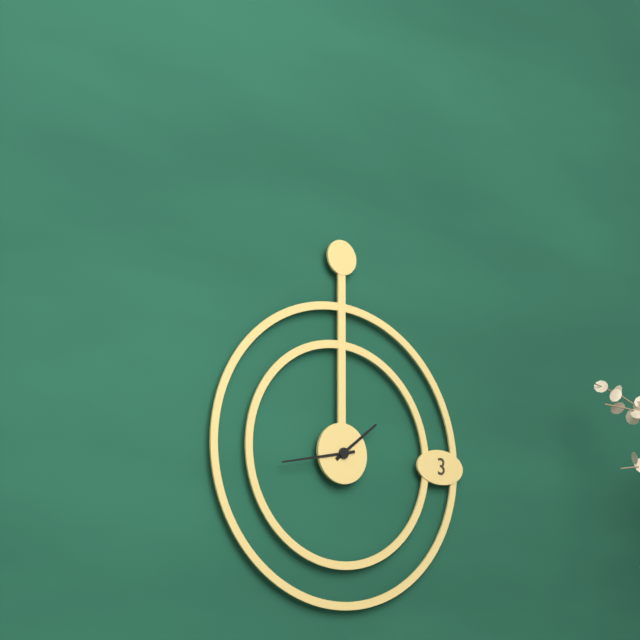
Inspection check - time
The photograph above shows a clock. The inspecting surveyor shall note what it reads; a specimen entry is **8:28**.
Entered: **1:43**
